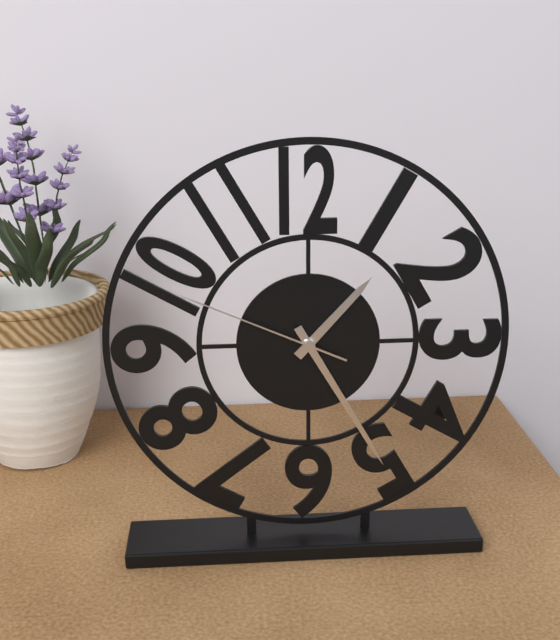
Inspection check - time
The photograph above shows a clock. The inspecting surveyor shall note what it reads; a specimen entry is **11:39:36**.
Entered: **1:25:49**
